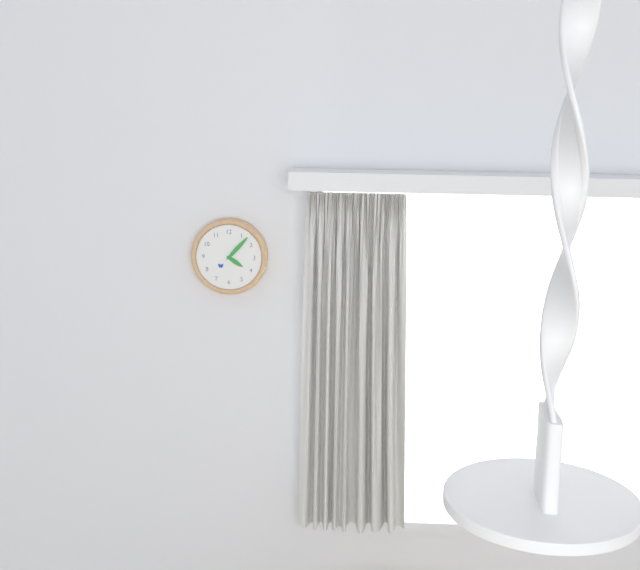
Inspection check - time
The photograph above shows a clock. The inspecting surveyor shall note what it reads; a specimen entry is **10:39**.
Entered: **4:07**
